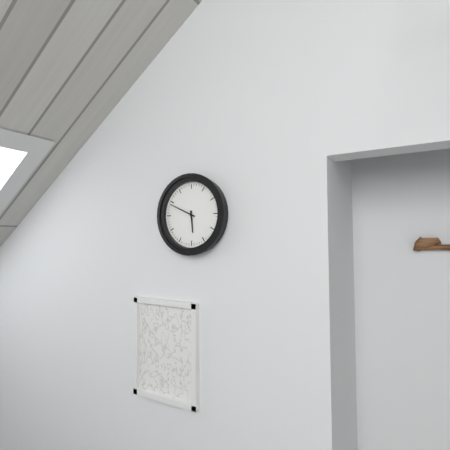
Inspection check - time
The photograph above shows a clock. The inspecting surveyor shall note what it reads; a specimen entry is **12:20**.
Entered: **5:49**
